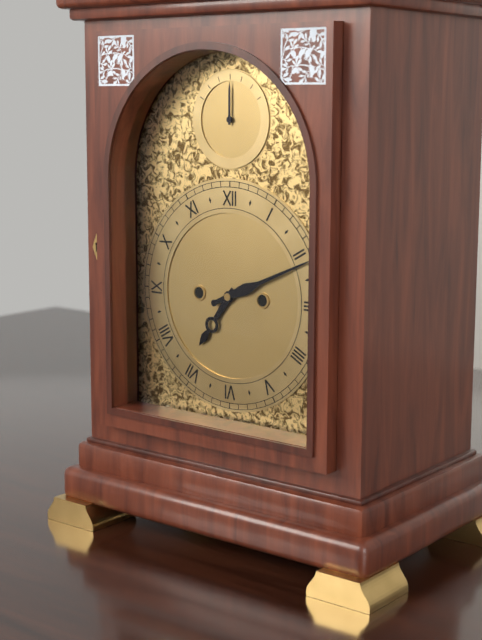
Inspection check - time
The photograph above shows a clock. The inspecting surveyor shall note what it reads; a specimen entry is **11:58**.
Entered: **7:11**
